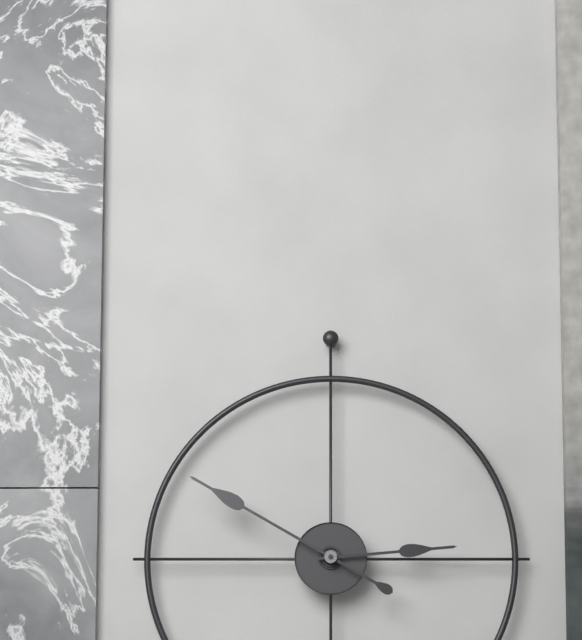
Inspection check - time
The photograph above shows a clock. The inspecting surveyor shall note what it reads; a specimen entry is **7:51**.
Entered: **2:50**
